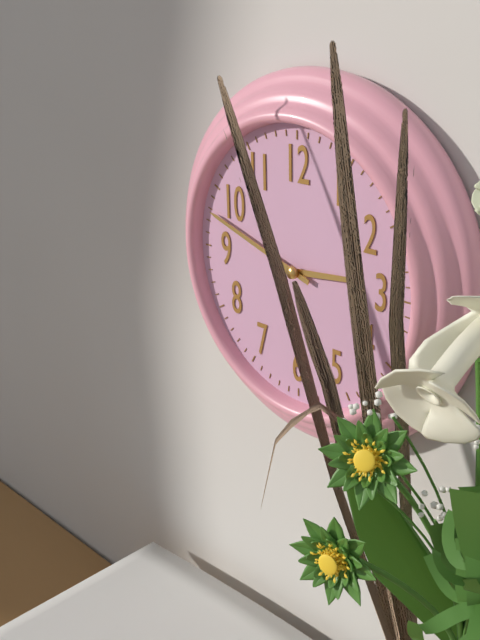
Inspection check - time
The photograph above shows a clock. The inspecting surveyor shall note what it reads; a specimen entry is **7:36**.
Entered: **2:48**
